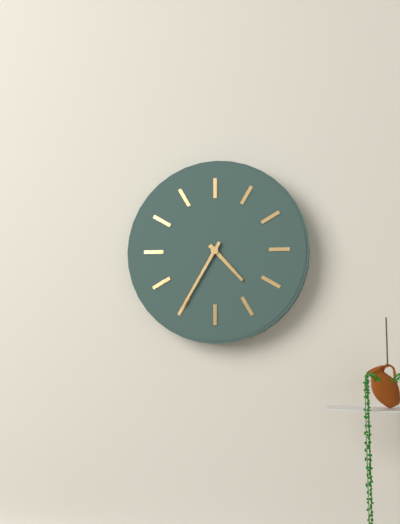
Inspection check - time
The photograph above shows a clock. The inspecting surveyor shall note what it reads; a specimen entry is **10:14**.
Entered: **4:35**
